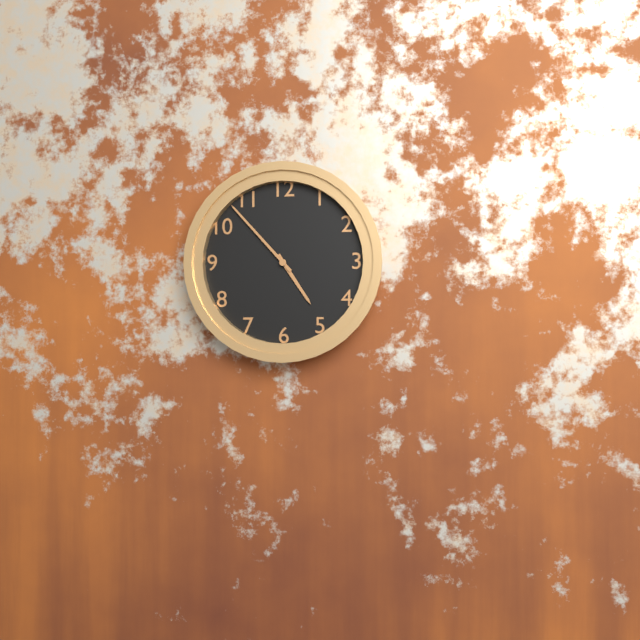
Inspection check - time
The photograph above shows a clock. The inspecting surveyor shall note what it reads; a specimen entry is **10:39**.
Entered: **4:53**
